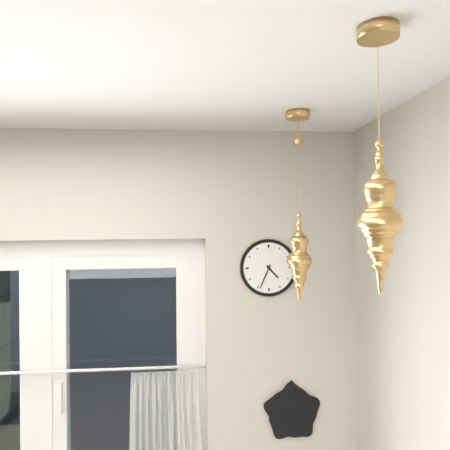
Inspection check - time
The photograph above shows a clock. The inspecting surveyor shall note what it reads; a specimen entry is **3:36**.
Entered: **4:34**
